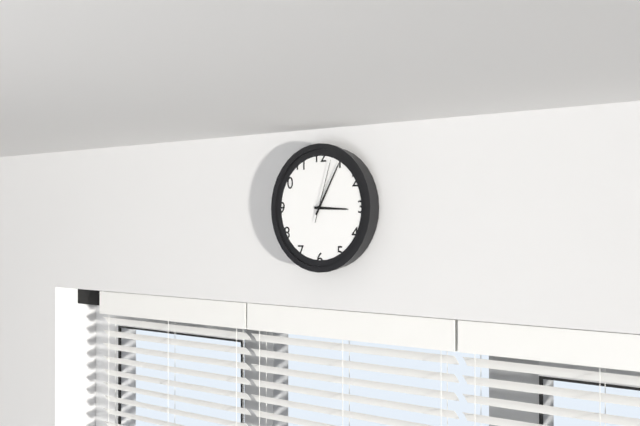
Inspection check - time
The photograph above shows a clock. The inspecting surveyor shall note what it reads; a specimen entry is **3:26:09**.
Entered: **3:05:03**
